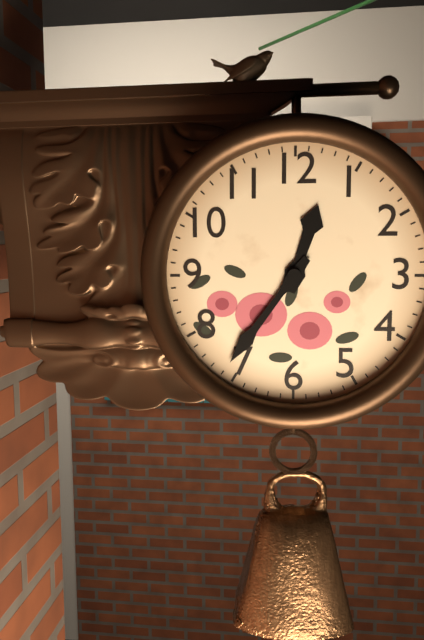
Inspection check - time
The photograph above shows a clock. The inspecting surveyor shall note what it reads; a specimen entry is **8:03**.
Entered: **12:36**
